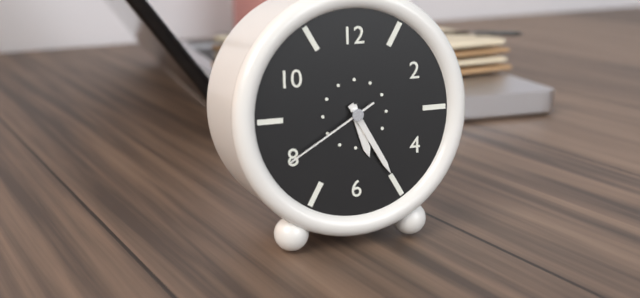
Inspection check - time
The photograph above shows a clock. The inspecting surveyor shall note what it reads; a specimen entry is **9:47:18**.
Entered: **5:25:40**
